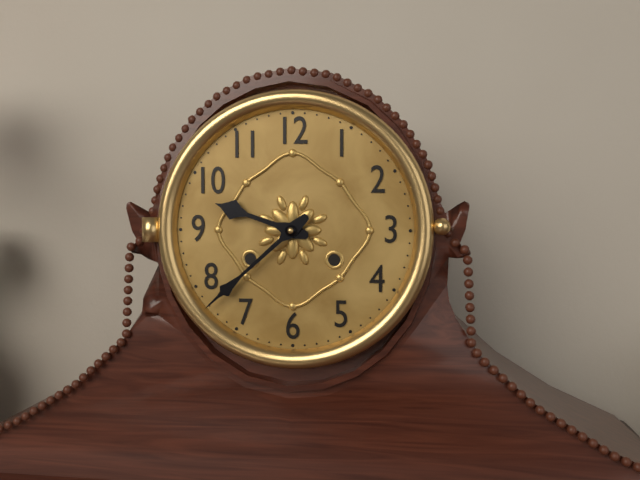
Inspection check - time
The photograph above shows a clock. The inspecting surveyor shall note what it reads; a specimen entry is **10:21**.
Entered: **9:38**
